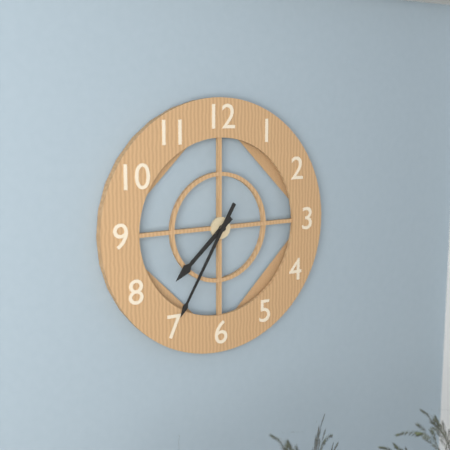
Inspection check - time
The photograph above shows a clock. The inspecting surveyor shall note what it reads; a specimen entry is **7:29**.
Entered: **7:35**
